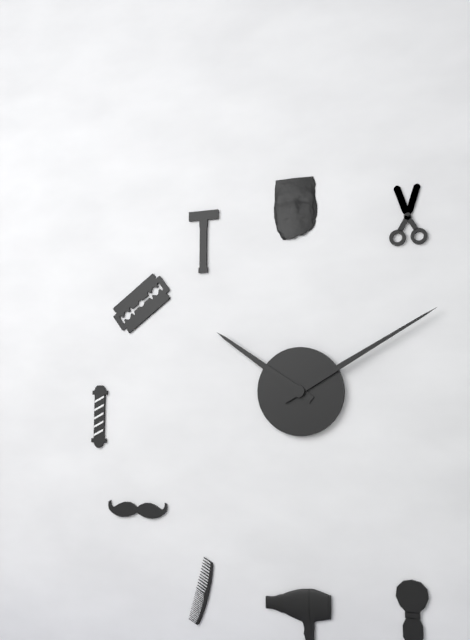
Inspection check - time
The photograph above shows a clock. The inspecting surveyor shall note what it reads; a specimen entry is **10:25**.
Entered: **10:10**
